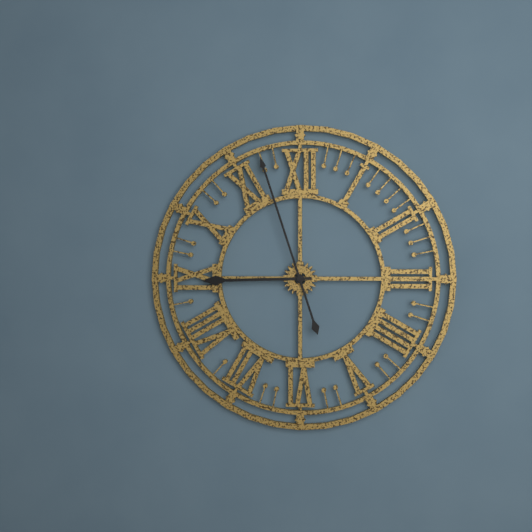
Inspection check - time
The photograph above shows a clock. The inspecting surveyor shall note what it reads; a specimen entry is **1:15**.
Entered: **8:57**
